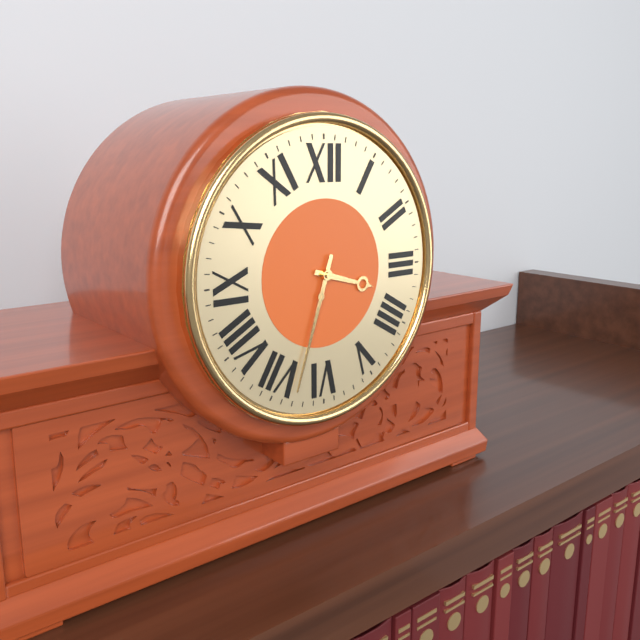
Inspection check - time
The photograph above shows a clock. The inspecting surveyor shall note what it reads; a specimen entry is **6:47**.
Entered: **3:33**
